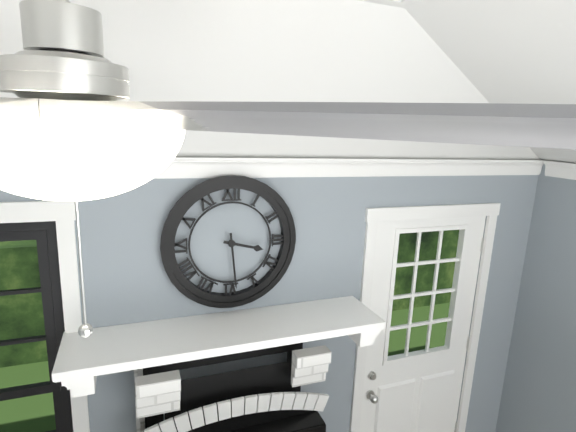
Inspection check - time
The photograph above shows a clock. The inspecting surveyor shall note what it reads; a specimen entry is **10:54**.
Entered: **3:29**
